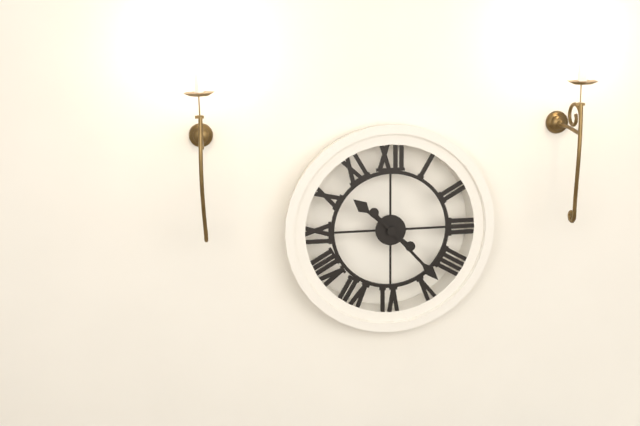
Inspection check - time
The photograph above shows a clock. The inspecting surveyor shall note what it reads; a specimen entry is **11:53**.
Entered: **10:23**
